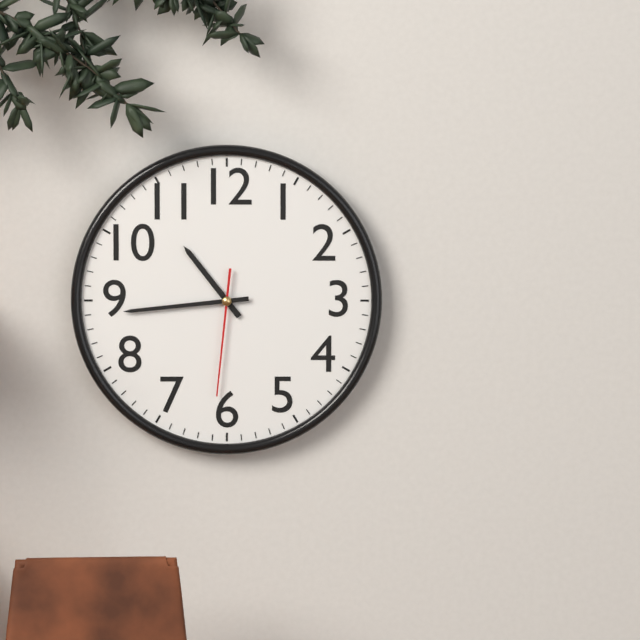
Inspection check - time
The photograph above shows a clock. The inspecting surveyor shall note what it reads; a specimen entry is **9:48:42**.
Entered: **10:44:31**
